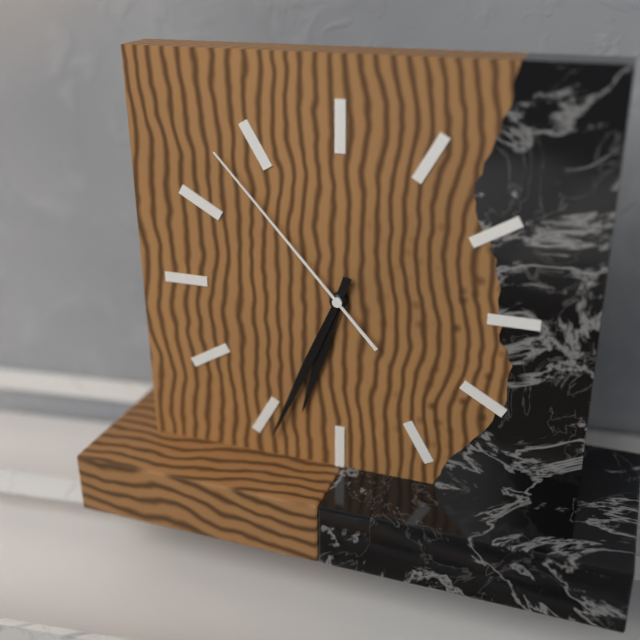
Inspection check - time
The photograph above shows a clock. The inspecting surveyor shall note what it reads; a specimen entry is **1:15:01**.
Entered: **6:34:53**
